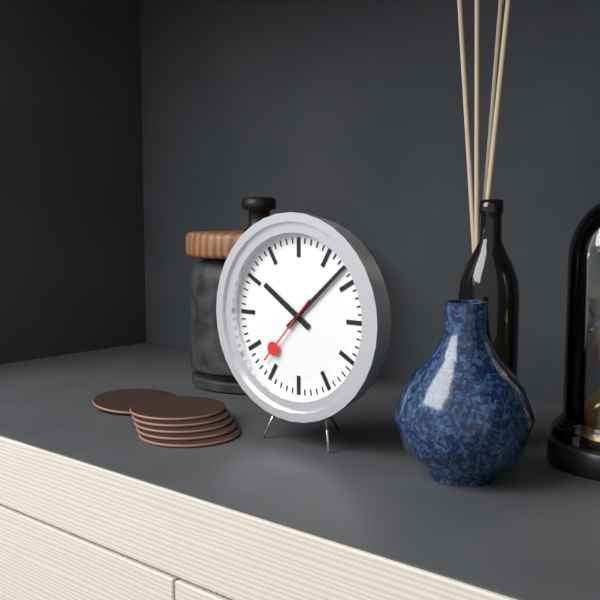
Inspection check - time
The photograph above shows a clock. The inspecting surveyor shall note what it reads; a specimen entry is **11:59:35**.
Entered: **10:08:37**
